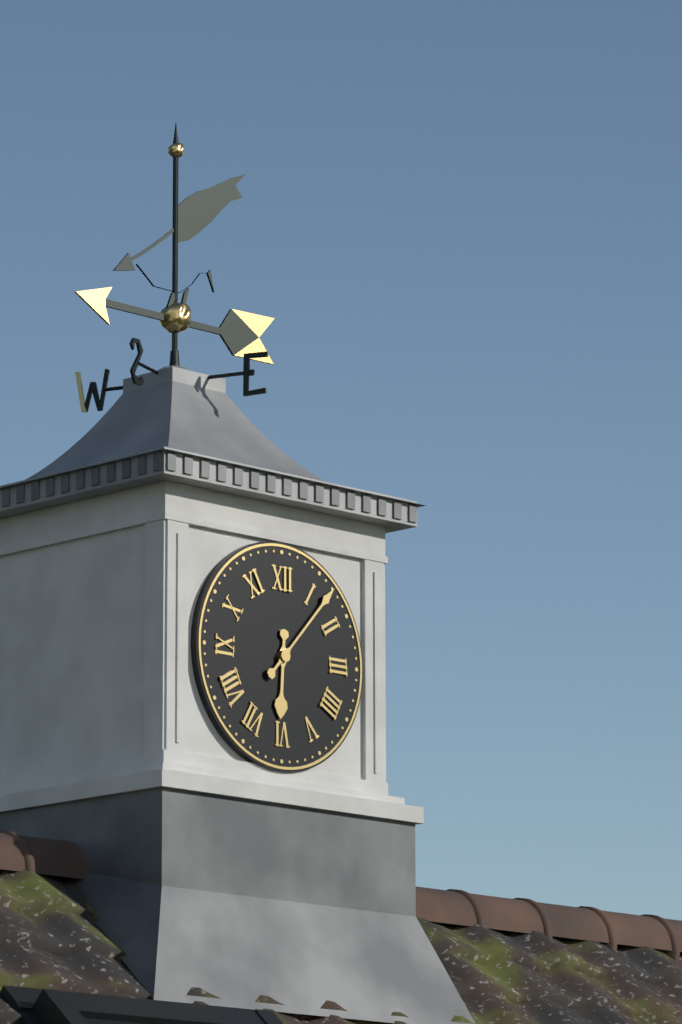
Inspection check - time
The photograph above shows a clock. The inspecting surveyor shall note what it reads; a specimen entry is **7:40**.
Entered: **6:07**
